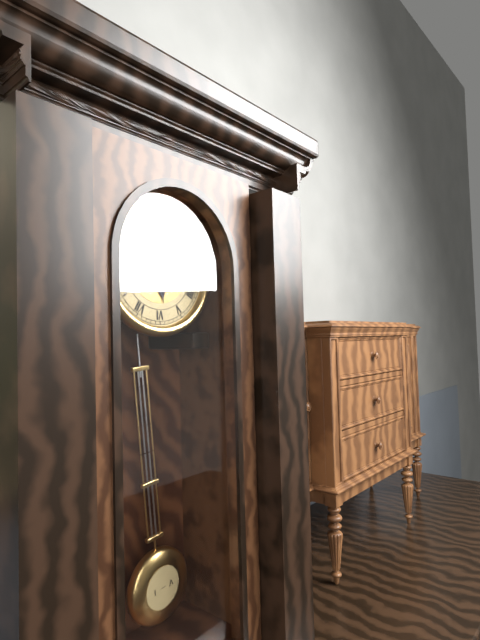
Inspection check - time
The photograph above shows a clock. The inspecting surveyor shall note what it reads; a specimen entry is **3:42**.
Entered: **5:48**
